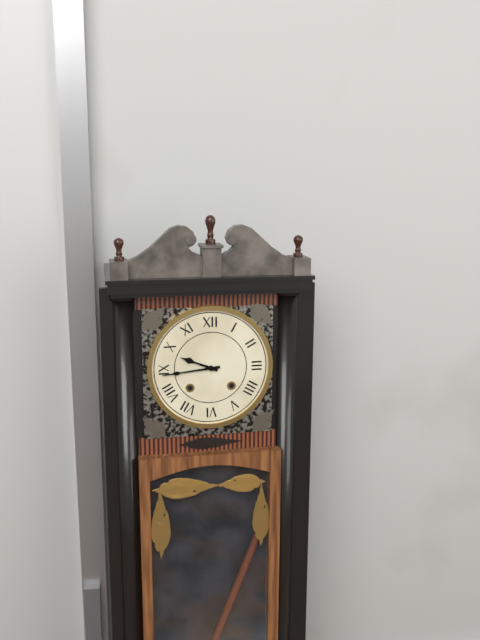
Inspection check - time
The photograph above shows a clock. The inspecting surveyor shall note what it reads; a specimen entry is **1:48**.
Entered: **9:44**
